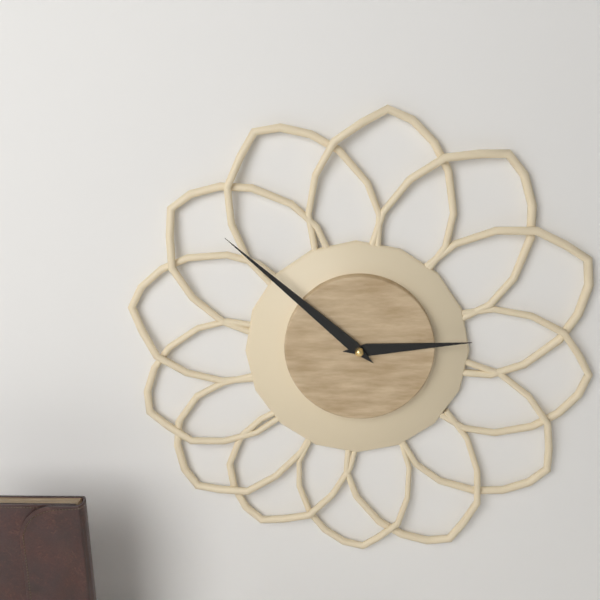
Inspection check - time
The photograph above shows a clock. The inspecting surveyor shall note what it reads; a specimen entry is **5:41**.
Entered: **2:52**
